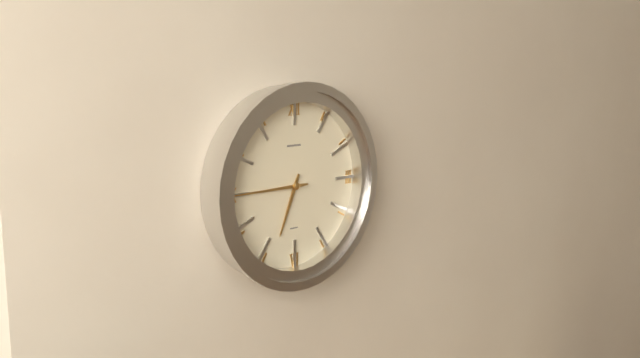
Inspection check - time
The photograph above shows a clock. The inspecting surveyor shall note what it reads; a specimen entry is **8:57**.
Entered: **6:45**
